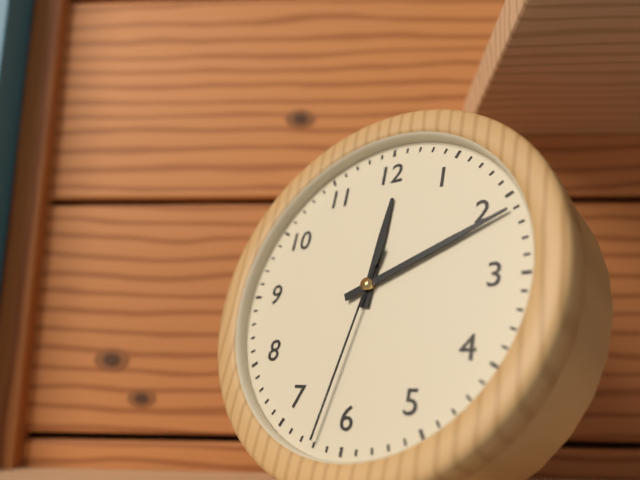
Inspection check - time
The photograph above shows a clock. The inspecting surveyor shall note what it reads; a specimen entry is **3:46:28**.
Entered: **12:11:32**
